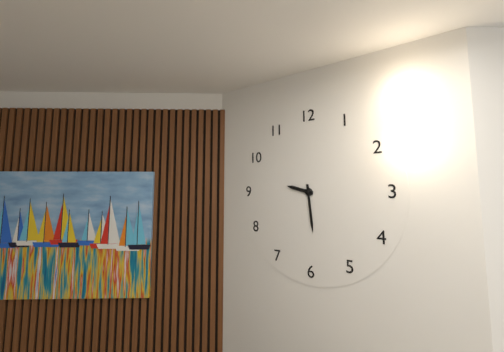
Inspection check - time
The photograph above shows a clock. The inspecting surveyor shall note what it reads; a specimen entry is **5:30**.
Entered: **9:29**
